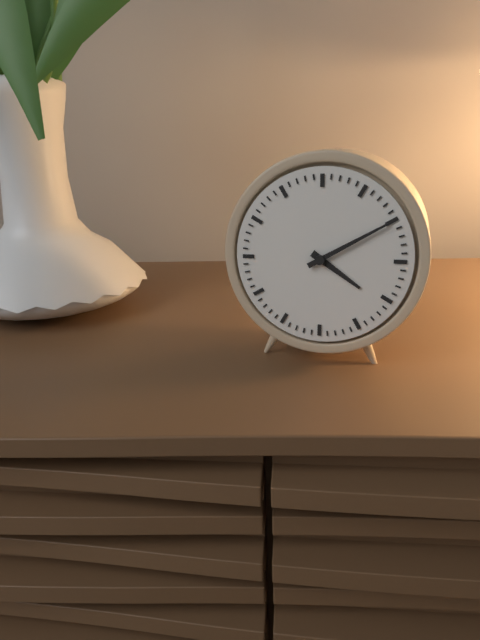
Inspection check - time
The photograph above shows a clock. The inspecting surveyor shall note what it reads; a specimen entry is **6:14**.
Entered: **4:10**
